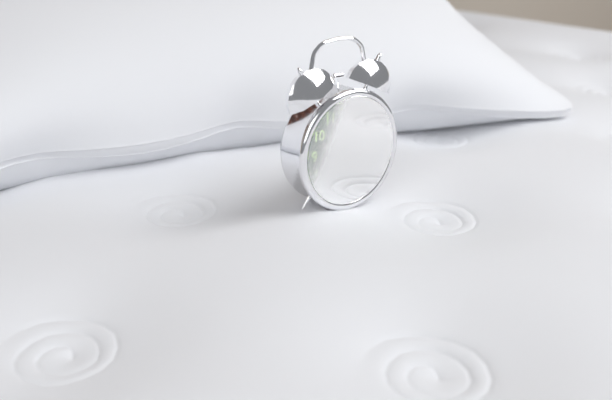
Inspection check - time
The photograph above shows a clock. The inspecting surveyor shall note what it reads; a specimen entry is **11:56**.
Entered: **9:30**
